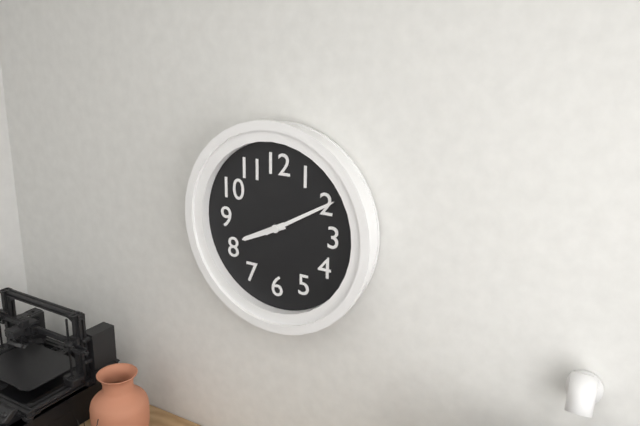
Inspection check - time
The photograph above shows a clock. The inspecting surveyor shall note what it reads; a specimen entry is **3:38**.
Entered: **8:10**
